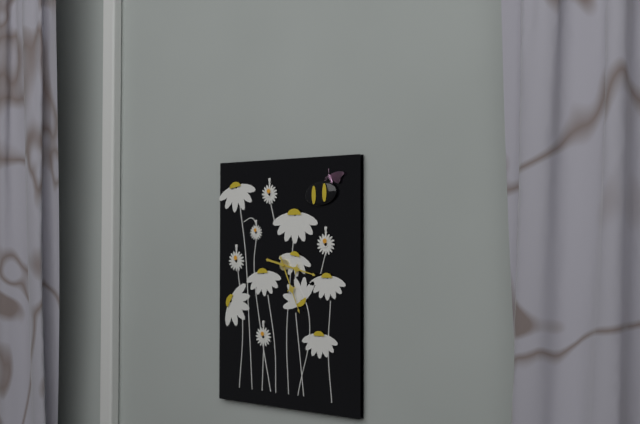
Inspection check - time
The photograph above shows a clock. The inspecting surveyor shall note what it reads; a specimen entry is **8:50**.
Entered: **3:26**
